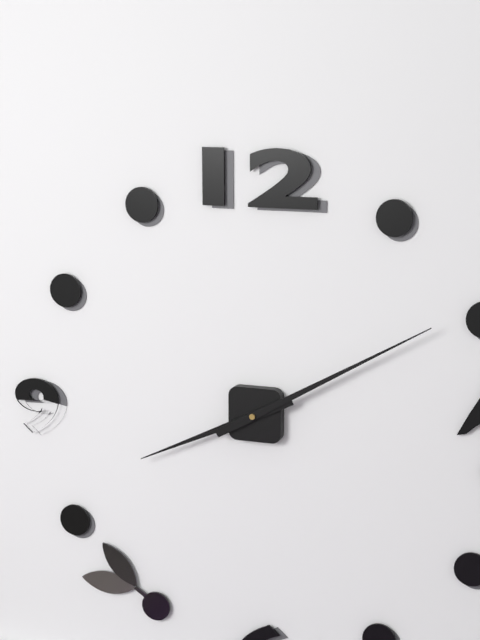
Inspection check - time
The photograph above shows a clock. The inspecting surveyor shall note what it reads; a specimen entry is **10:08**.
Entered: **8:10**
